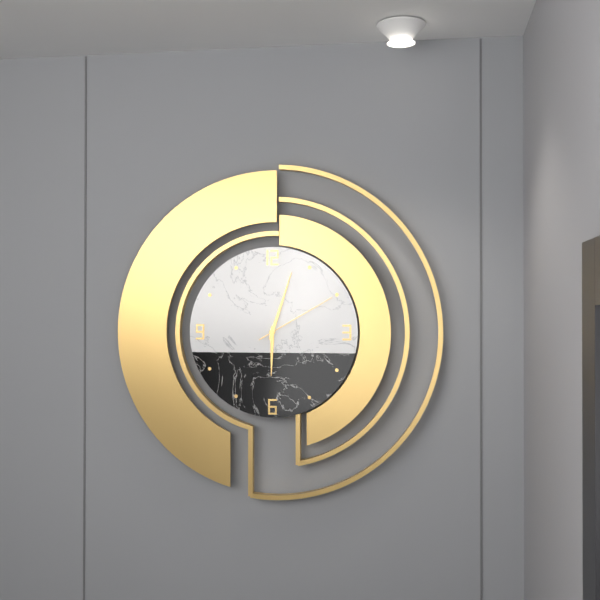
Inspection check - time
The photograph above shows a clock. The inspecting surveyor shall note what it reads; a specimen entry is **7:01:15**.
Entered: **6:03:10**
